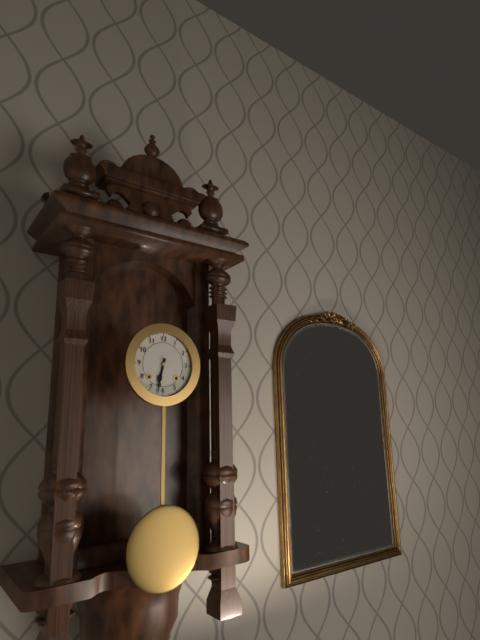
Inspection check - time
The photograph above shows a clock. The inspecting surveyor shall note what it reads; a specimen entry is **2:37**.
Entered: **6:32**
